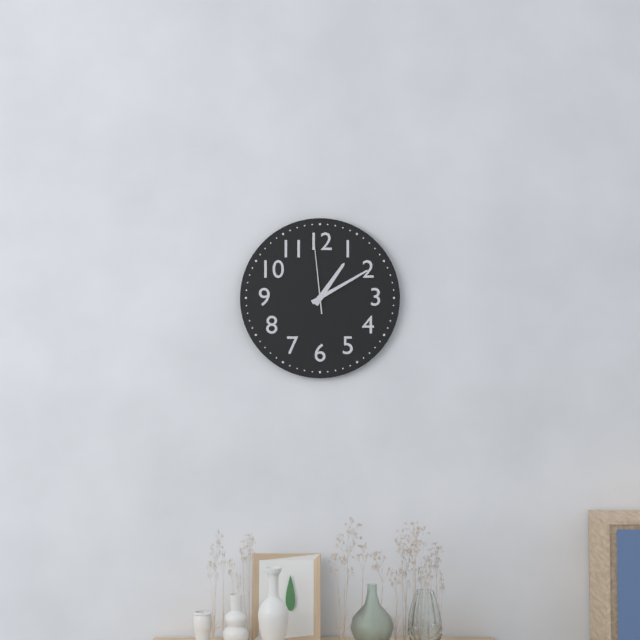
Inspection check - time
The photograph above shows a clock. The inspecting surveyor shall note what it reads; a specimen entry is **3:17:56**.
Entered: **1:10:59**
